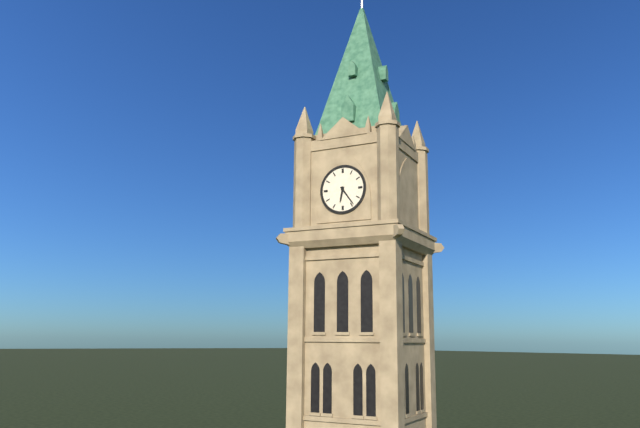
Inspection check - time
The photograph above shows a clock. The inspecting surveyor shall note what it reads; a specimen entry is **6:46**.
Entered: **6:24**
